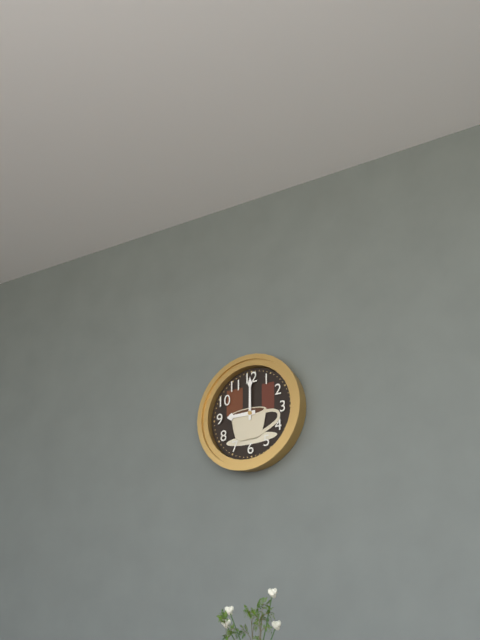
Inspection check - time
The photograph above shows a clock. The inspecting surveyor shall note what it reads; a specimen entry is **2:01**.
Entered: **9:00**
